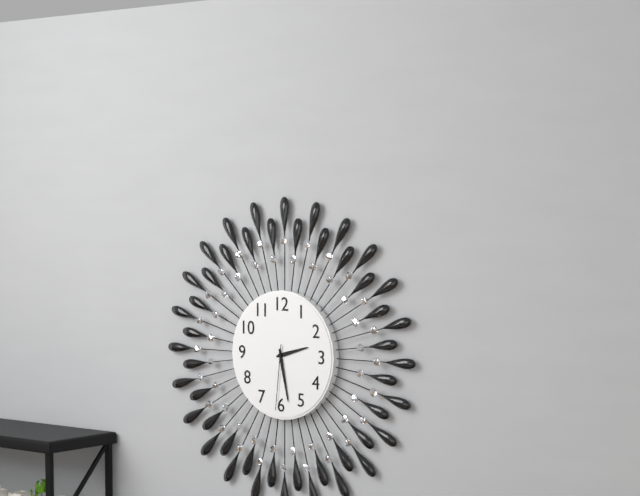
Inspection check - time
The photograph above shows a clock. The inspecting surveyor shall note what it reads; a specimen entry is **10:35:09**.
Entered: **2:28:31**
